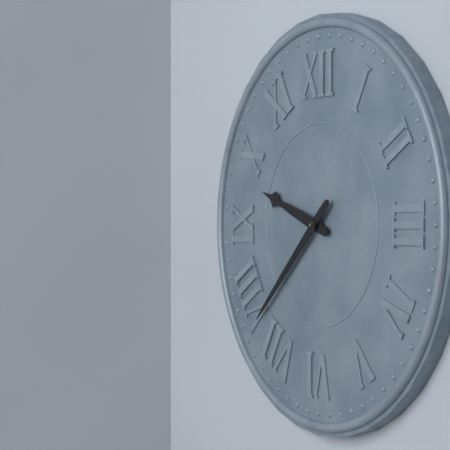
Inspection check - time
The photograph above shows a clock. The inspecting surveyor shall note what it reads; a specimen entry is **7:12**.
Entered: **9:38**
